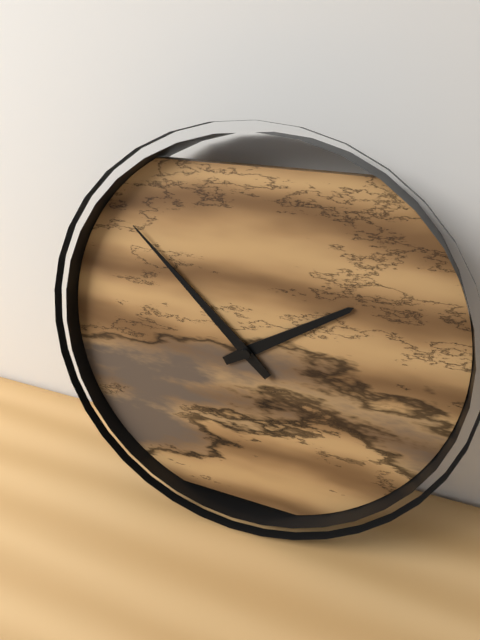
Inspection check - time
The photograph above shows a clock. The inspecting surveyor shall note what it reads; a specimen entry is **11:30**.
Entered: **1:52**
